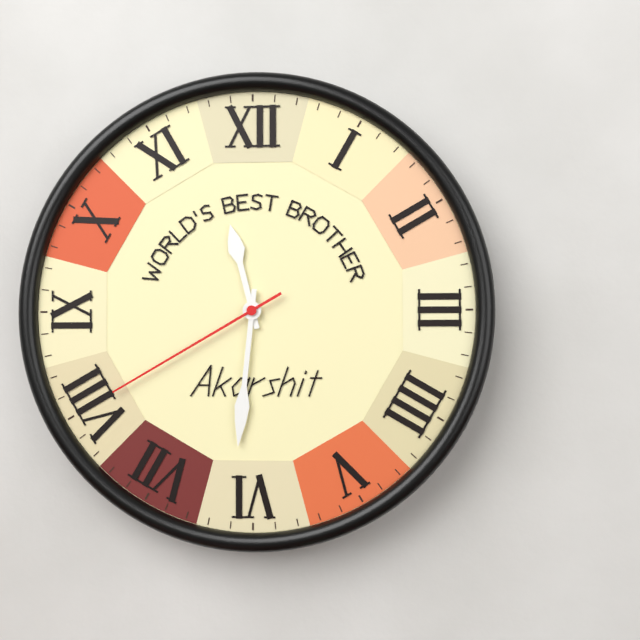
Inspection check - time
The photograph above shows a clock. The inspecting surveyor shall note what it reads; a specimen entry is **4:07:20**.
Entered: **11:31:40**
